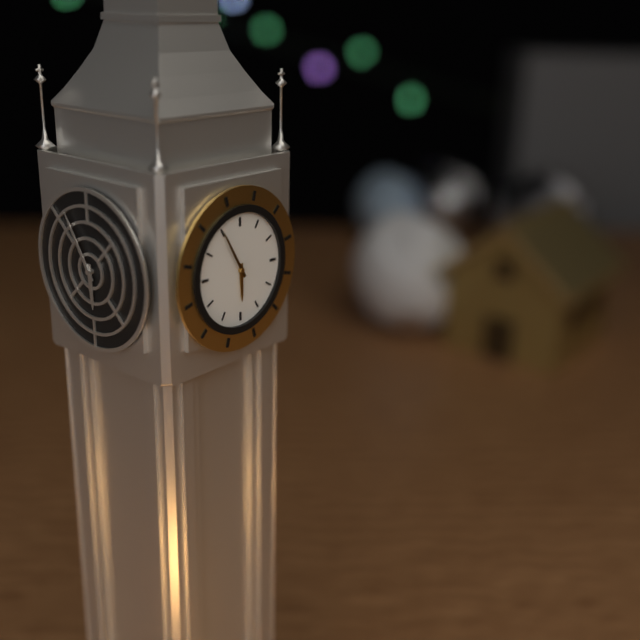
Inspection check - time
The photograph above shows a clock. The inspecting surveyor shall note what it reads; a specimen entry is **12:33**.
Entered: **5:55**
